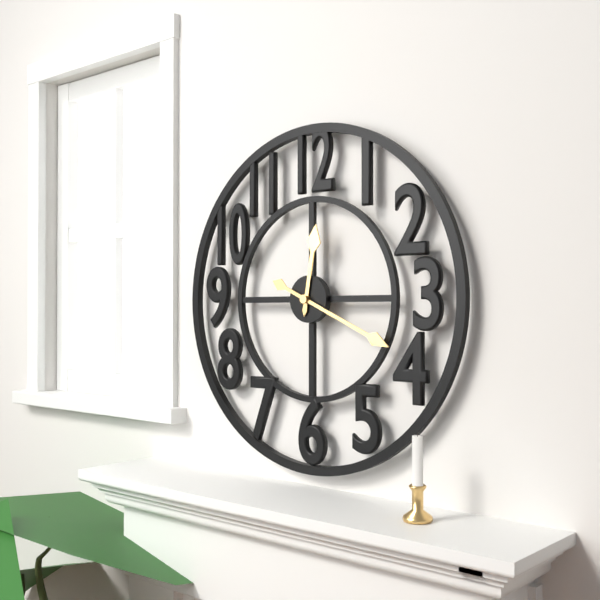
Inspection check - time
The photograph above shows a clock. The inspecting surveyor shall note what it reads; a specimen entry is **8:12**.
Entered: **12:19**
